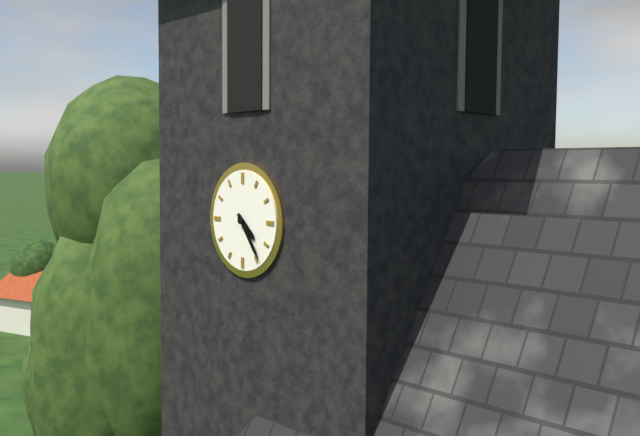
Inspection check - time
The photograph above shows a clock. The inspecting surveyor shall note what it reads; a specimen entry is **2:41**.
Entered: **4:24**
